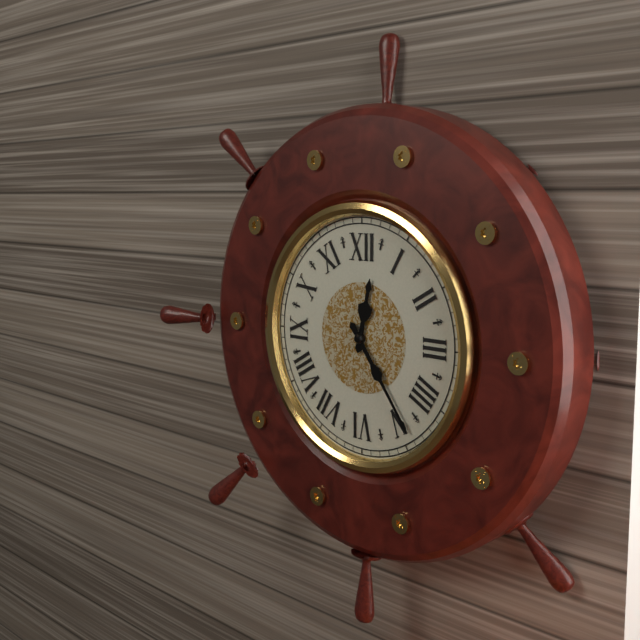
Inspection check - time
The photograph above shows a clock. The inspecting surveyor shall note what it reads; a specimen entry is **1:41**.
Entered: **12:24**
